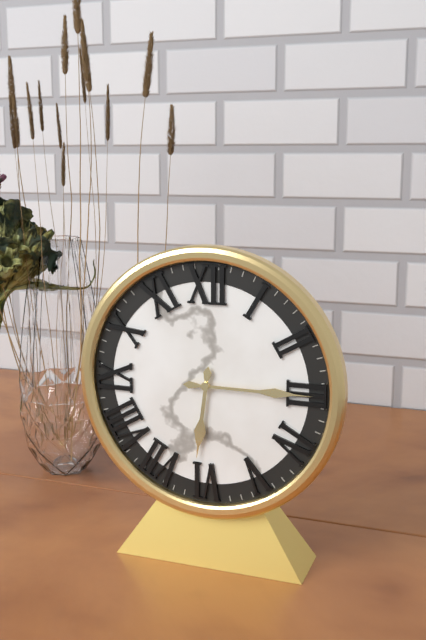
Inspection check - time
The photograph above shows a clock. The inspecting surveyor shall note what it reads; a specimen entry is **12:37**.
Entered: **6:15**
